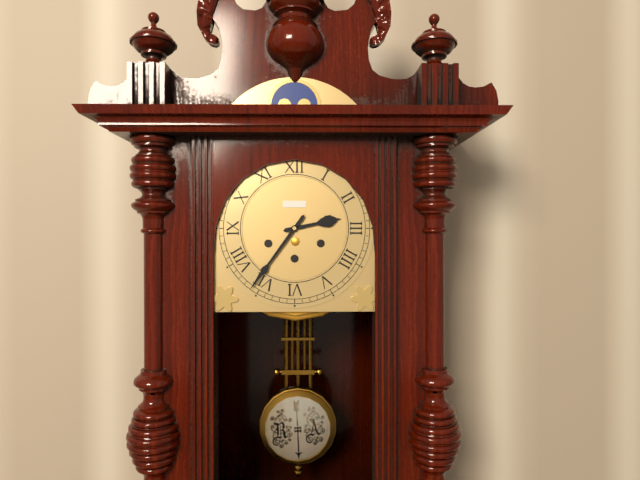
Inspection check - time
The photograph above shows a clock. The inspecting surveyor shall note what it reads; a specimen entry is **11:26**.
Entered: **2:36**
